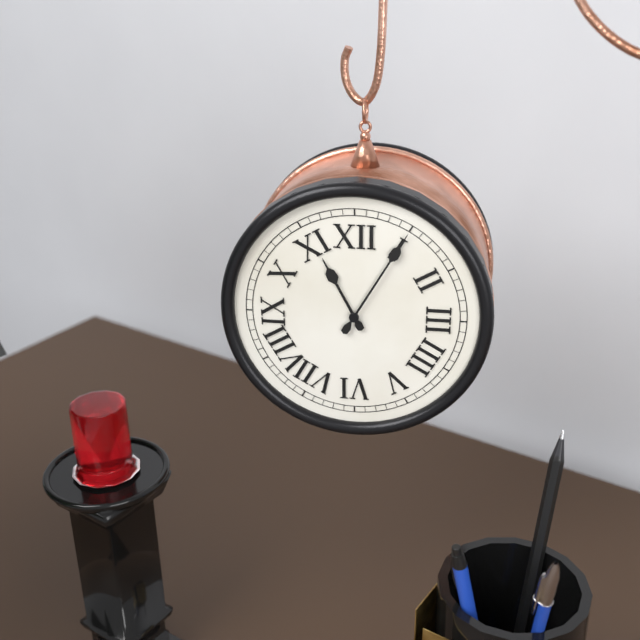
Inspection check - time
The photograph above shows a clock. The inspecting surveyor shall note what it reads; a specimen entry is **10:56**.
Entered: **11:05**
